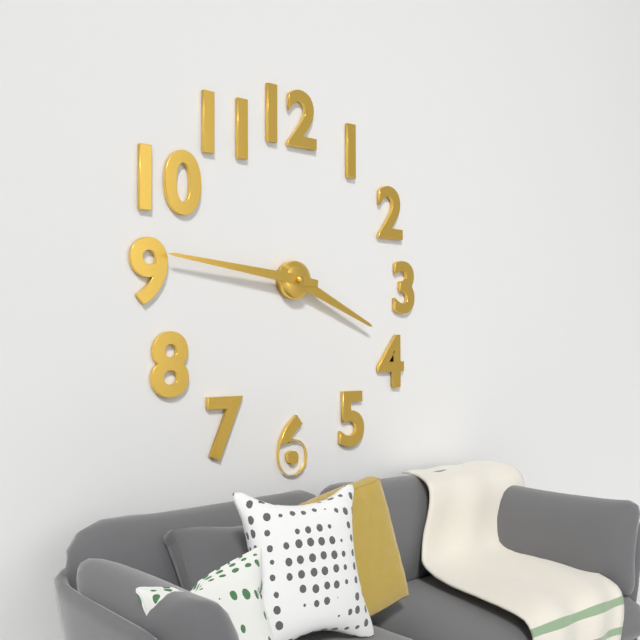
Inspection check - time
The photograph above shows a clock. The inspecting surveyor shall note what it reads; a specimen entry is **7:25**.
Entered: **3:46**
